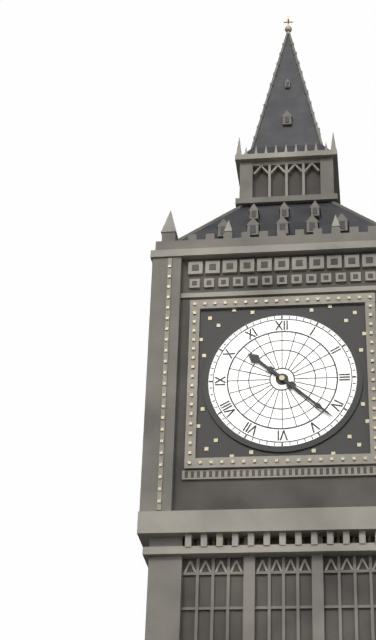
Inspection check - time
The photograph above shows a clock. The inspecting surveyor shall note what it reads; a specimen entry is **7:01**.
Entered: **10:22**
